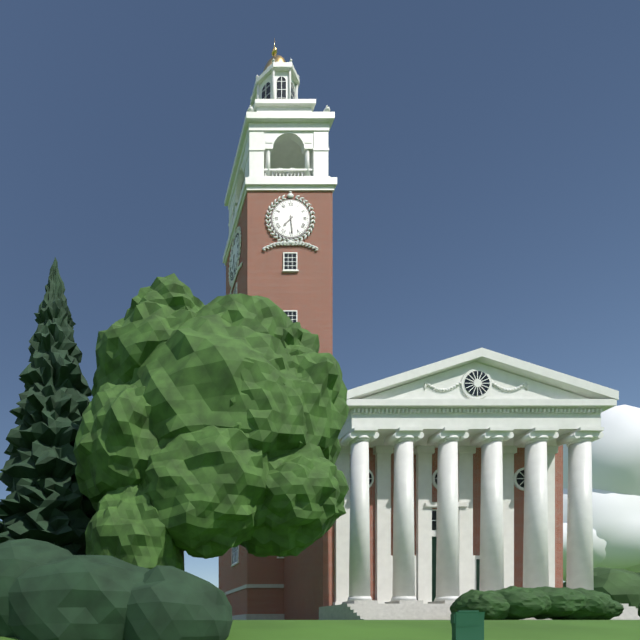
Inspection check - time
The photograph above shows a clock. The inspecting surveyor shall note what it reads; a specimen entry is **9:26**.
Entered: **7:29**
